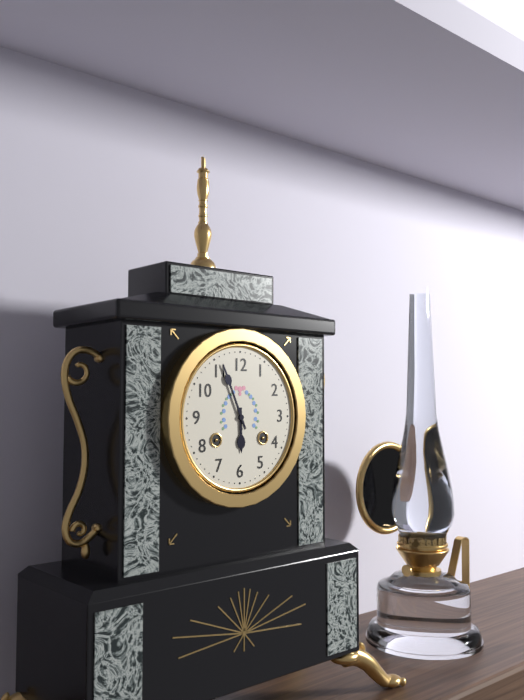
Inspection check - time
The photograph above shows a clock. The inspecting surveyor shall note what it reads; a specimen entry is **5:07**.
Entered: **5:56**
